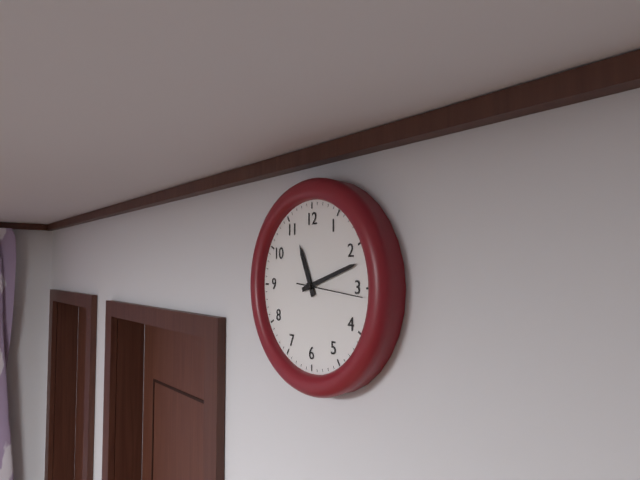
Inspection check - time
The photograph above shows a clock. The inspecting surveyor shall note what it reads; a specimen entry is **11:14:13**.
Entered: **11:12:16**
